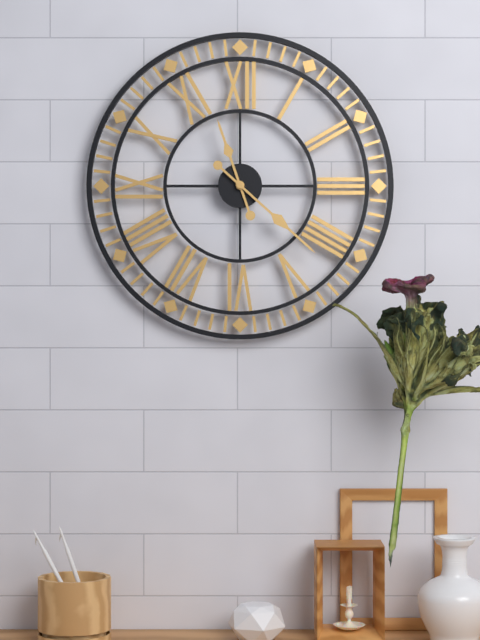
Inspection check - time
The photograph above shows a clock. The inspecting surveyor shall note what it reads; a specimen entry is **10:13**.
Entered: **11:22**
